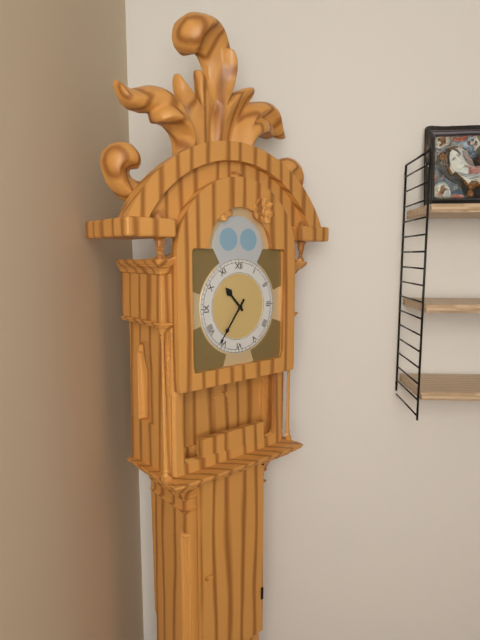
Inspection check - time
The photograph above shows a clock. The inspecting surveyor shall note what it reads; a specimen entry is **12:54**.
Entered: **10:36**
